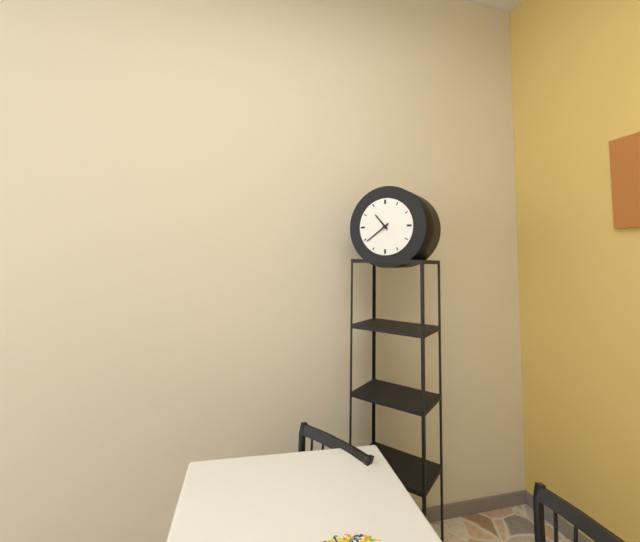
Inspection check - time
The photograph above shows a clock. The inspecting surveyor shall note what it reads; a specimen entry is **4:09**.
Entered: **10:39**
